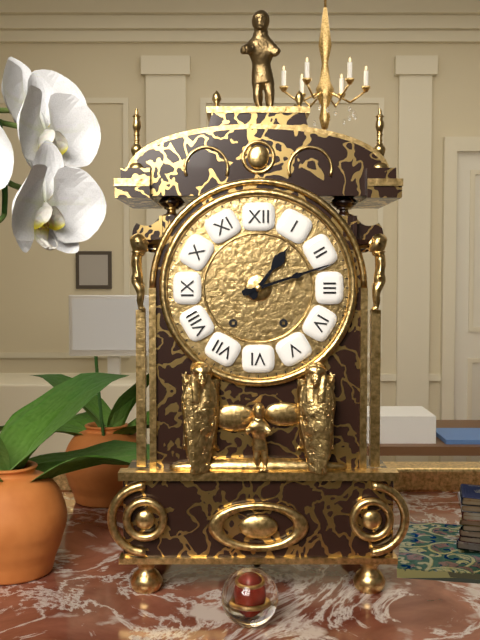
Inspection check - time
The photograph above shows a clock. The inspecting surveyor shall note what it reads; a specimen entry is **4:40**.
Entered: **1:12**
